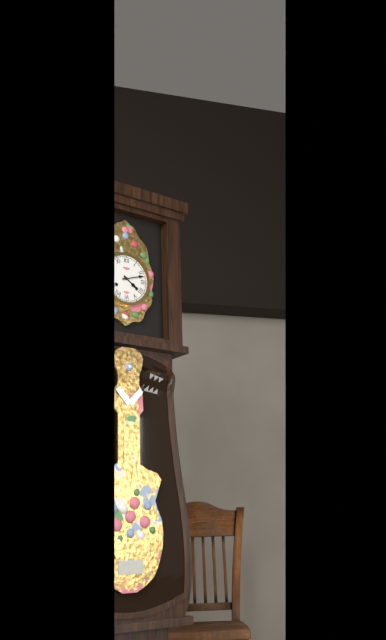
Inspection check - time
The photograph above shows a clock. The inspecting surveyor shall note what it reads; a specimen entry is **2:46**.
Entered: **4:12**
